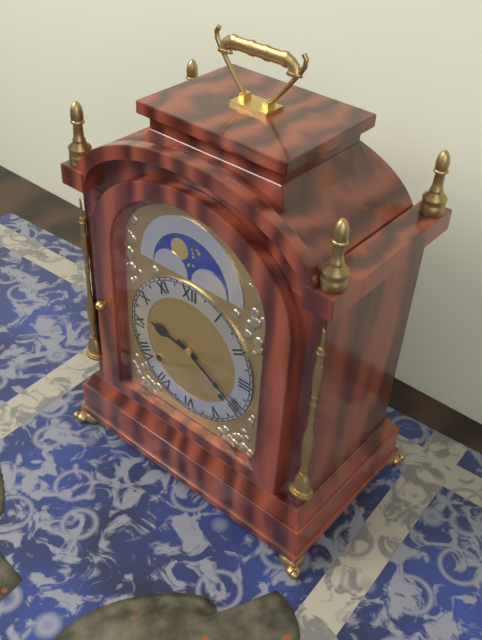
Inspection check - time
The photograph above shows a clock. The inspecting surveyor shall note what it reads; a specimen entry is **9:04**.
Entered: **9:20**
